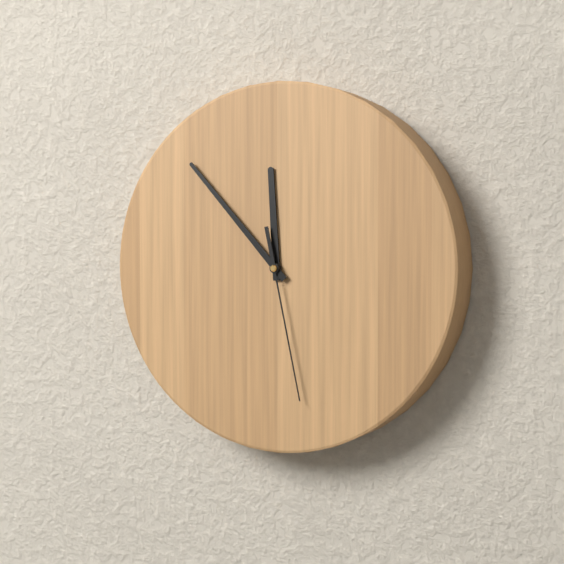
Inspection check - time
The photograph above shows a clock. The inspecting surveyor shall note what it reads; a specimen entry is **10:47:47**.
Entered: **11:53:28**
